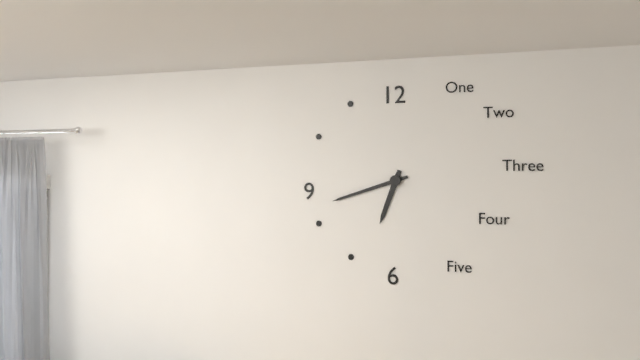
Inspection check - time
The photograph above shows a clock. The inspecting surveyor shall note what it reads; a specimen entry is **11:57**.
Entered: **6:42**
